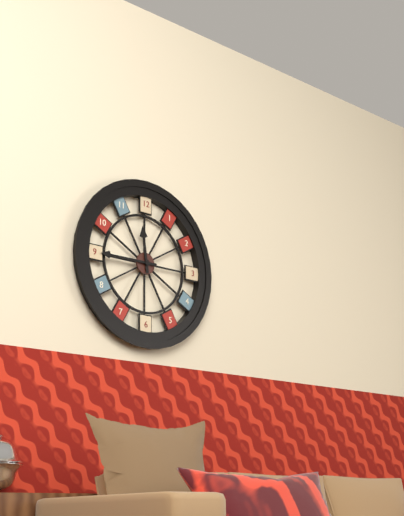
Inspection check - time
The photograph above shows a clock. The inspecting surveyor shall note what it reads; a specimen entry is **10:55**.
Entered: **11:45**
